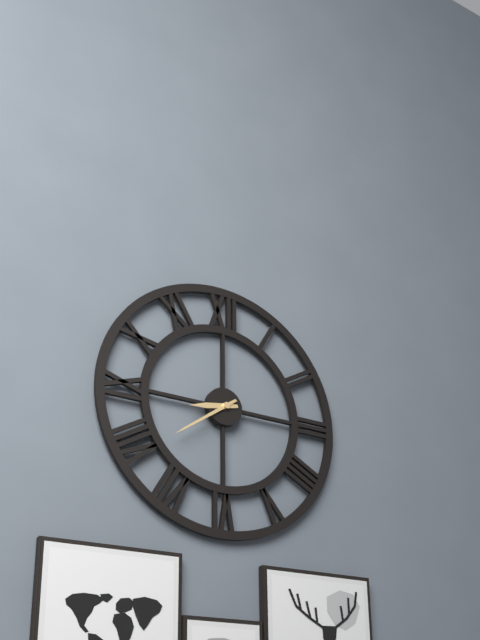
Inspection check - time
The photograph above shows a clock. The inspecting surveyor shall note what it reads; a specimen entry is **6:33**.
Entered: **8:39**
